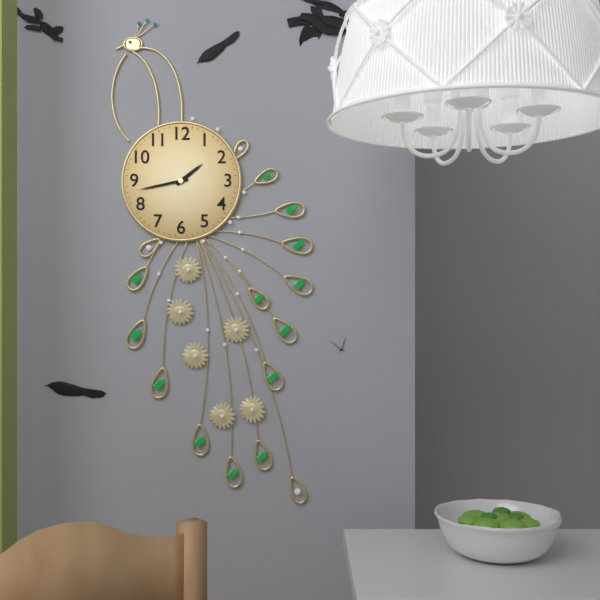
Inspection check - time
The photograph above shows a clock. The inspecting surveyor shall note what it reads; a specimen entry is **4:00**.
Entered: **1:43**
